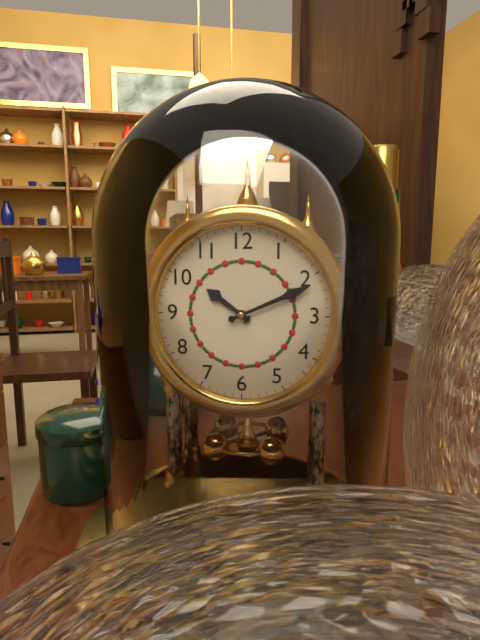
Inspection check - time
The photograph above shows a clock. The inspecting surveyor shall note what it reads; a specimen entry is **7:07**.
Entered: **10:11**
